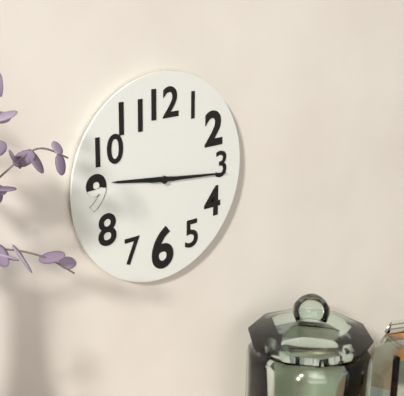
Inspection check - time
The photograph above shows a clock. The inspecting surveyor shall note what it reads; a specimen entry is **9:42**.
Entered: **9:16**
